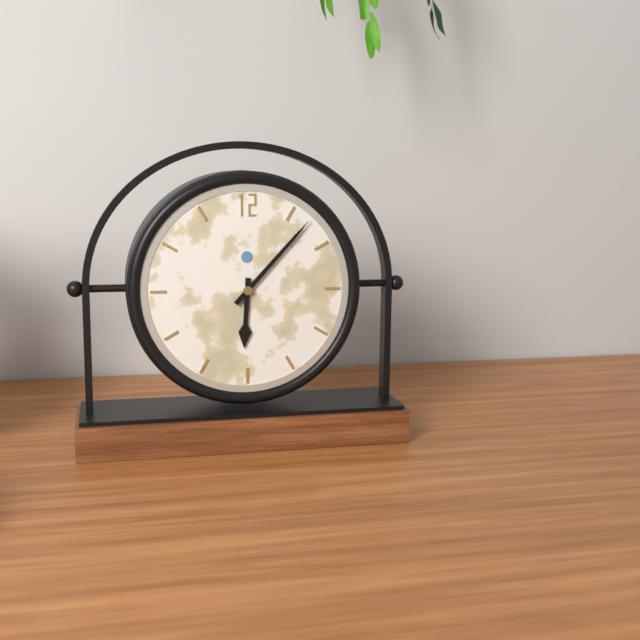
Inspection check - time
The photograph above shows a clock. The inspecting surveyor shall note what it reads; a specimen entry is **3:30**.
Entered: **6:07**
